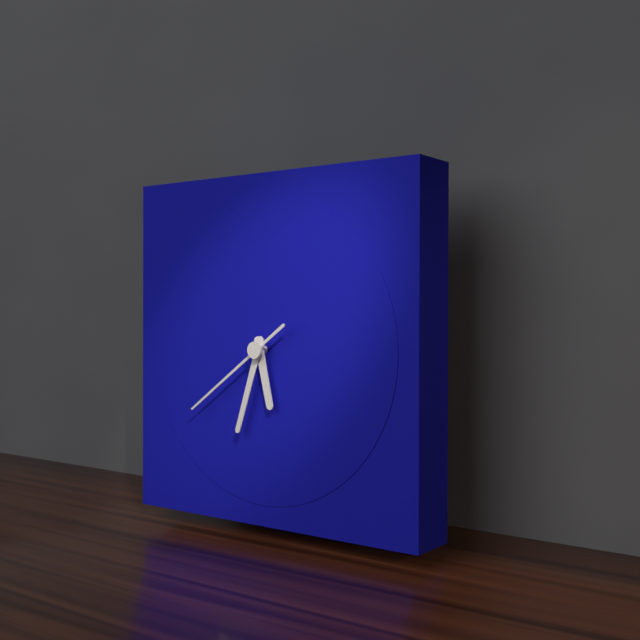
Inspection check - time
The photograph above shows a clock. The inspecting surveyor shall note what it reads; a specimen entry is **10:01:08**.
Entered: **5:33:39**
